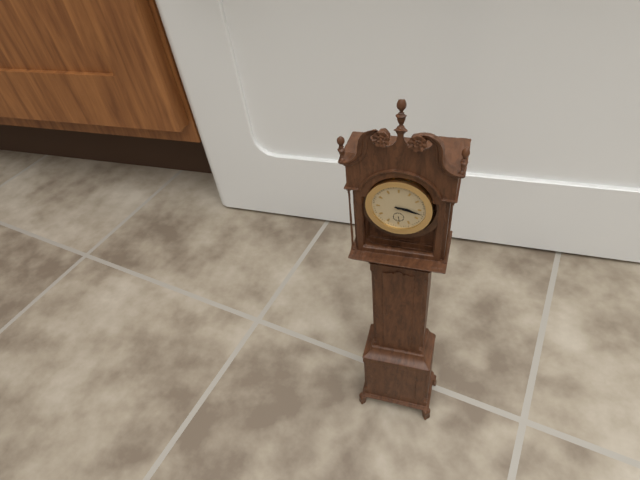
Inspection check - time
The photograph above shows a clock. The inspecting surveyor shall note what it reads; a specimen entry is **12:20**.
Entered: **3:17**
